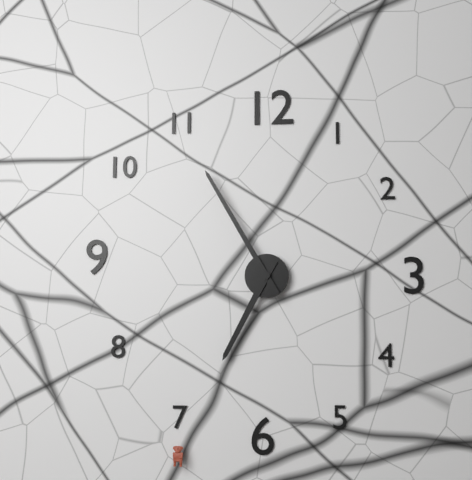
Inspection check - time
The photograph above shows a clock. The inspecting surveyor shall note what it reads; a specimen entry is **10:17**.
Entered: **6:55**
